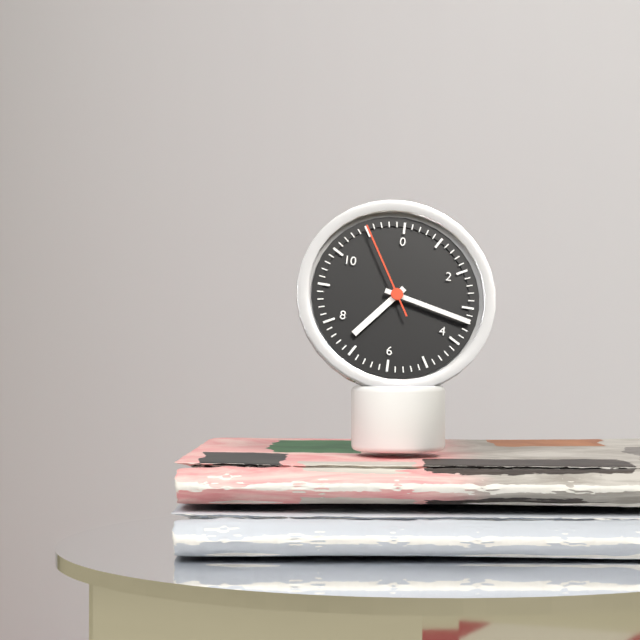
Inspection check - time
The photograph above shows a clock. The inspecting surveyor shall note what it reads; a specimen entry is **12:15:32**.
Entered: **7:17:55**
